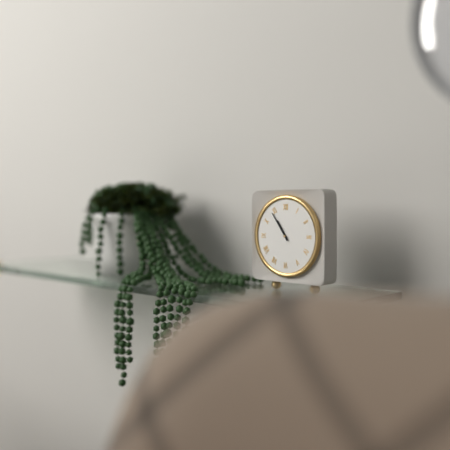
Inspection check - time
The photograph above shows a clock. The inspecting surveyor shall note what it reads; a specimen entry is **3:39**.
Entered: **10:54**
